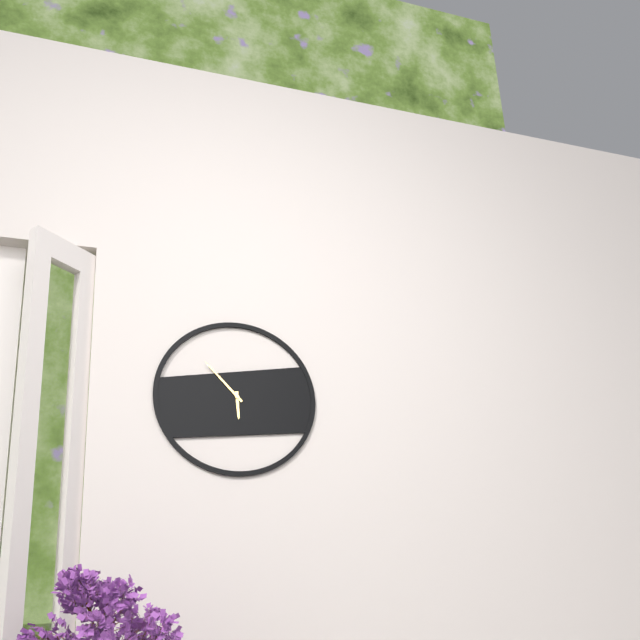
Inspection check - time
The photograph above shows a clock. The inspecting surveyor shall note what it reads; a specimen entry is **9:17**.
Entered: **5:53**
